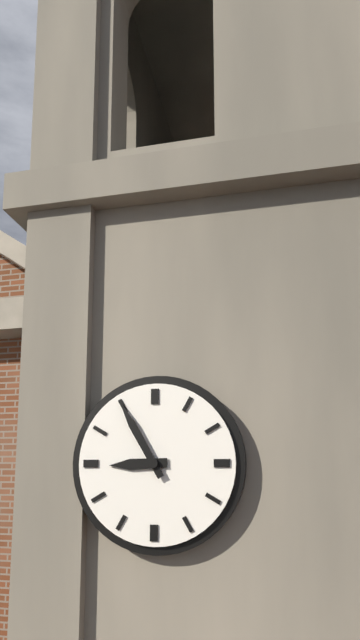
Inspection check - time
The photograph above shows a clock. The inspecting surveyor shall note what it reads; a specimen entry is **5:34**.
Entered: **8:55**
